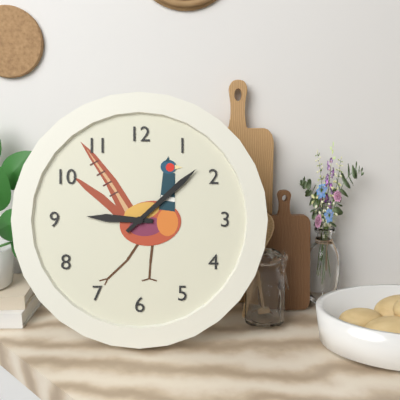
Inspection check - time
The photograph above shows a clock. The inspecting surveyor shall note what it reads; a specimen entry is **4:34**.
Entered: **9:08**
